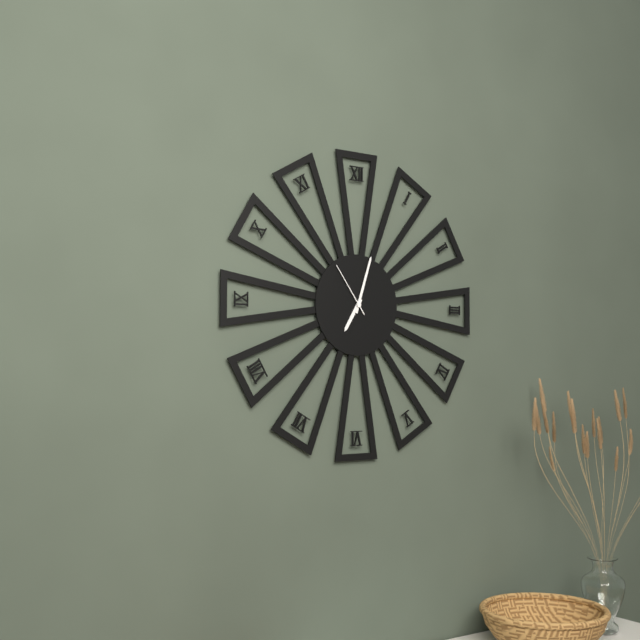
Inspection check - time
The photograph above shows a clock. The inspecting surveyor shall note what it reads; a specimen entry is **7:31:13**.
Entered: **7:03:54**
